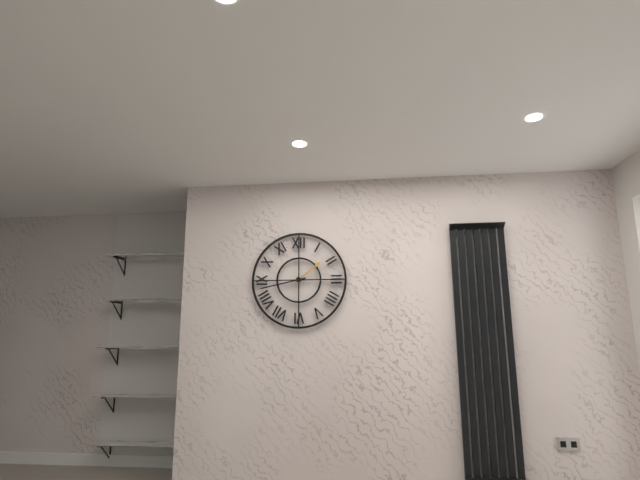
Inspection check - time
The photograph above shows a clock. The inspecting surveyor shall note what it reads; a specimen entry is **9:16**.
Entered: **1:43**
